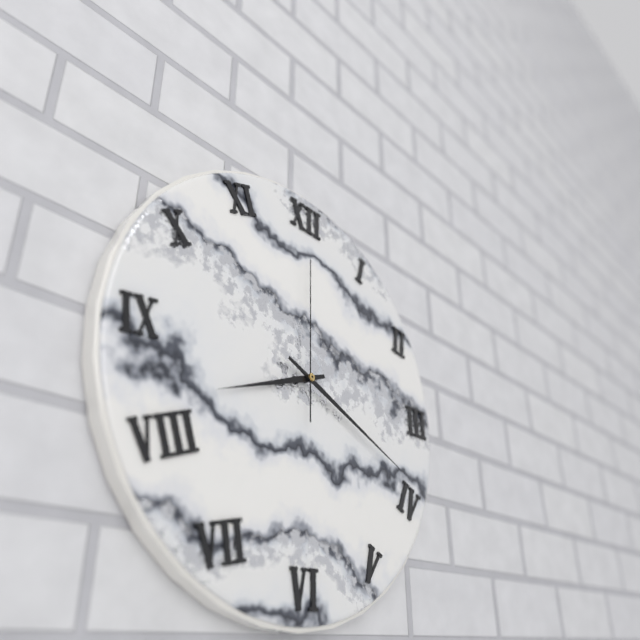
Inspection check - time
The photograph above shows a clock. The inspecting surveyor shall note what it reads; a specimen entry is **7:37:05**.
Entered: **8:19:00**
